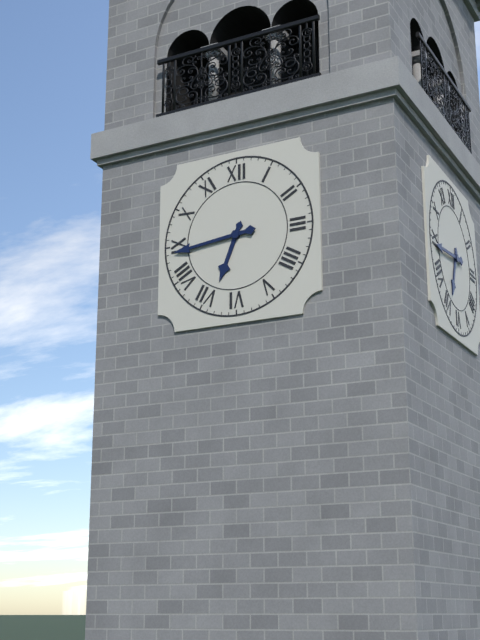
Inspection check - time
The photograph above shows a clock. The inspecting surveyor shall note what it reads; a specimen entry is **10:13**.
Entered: **6:44**
